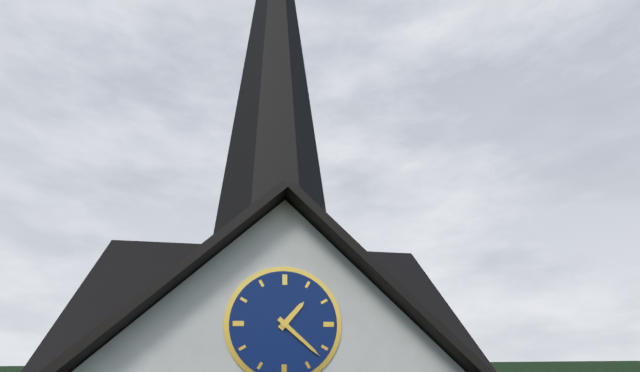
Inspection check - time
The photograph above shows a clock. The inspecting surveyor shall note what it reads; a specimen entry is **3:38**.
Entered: **1:22**
